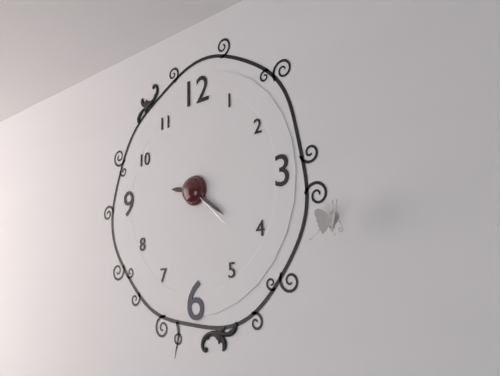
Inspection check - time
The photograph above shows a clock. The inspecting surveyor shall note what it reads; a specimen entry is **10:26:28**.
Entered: **9:21:22**
